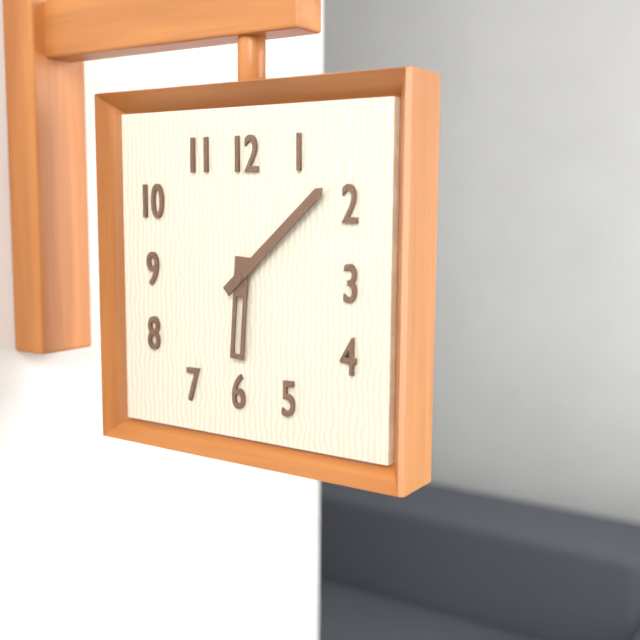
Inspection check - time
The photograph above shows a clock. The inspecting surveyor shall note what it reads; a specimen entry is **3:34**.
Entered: **6:08**
